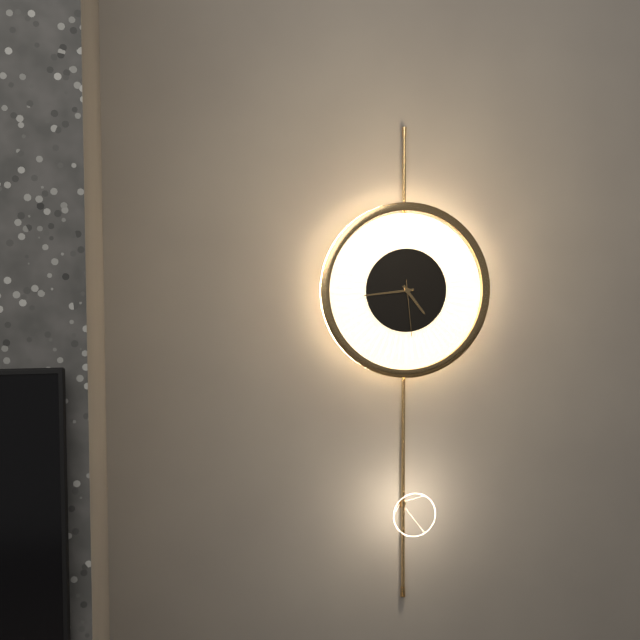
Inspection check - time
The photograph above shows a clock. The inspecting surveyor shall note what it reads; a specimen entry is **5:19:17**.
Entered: **4:44:29**
